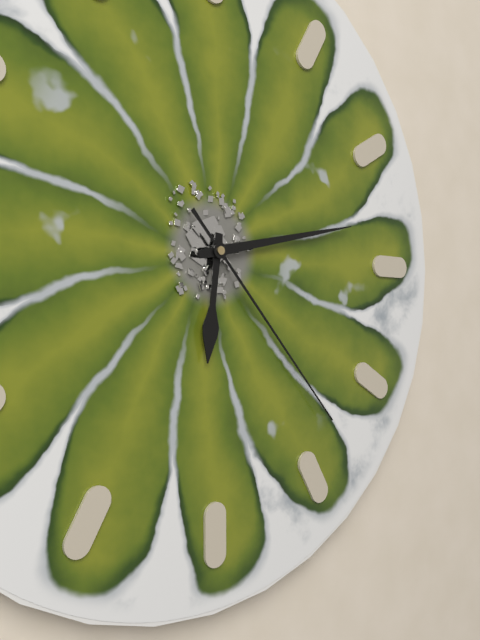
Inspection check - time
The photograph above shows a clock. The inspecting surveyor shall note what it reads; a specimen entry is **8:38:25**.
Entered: **6:13:23**
